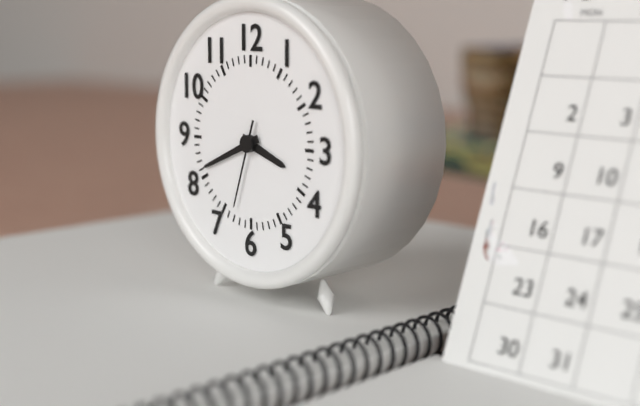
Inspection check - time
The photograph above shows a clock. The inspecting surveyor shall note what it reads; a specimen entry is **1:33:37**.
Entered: **3:41:33**
